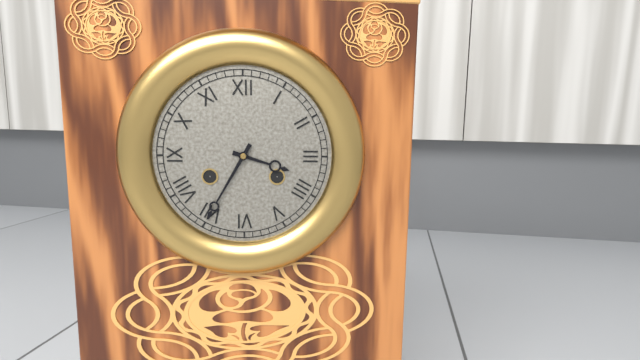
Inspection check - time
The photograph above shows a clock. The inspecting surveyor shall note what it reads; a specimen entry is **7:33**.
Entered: **3:35**
